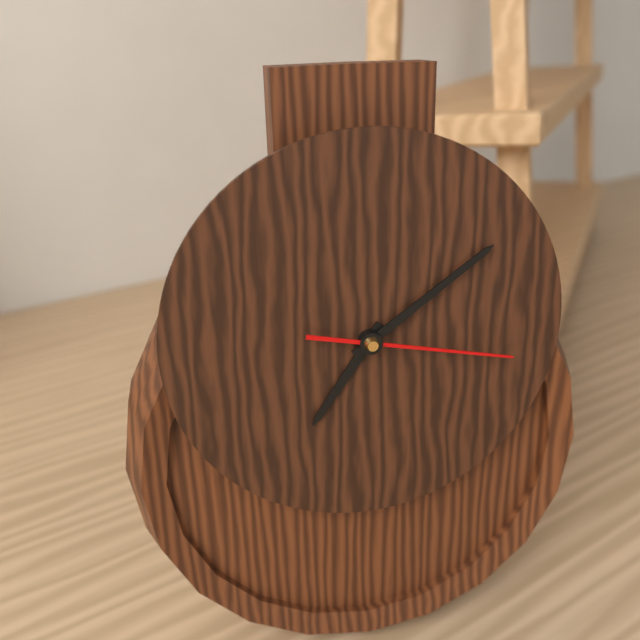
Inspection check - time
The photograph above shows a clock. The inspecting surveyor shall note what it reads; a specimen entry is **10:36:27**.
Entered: **7:09:17**
